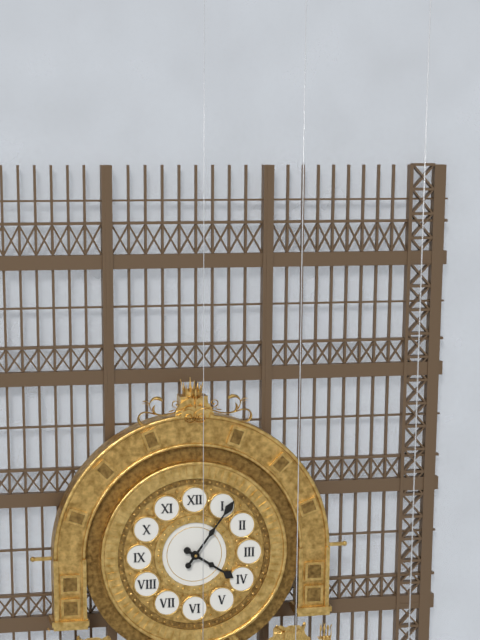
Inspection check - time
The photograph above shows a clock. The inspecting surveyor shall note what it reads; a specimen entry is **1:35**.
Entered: **4:06**
